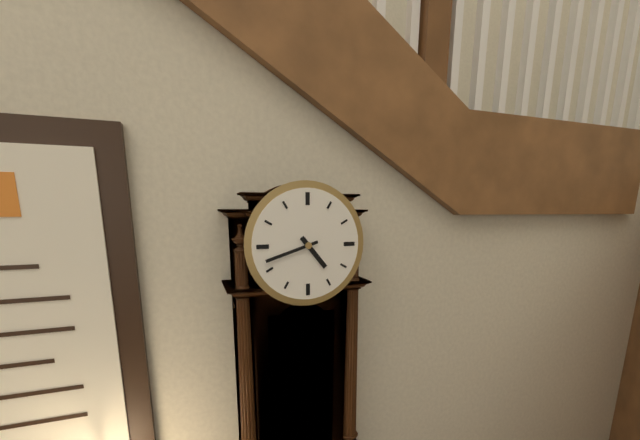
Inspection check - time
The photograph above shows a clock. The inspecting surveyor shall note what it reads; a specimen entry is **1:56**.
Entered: **4:42**
